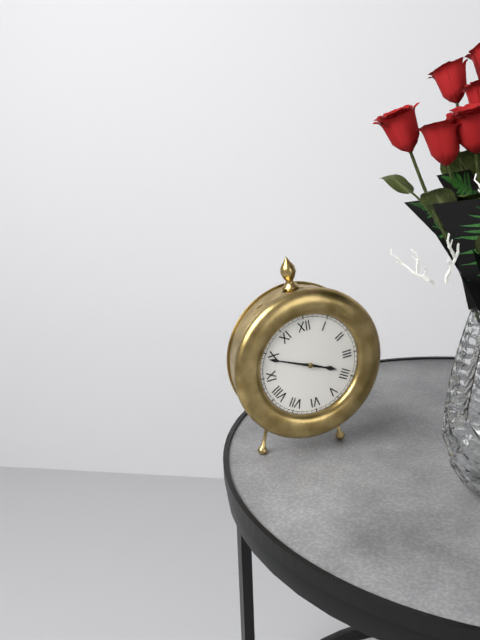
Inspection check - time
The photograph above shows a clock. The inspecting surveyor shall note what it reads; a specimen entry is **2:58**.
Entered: **3:49**
